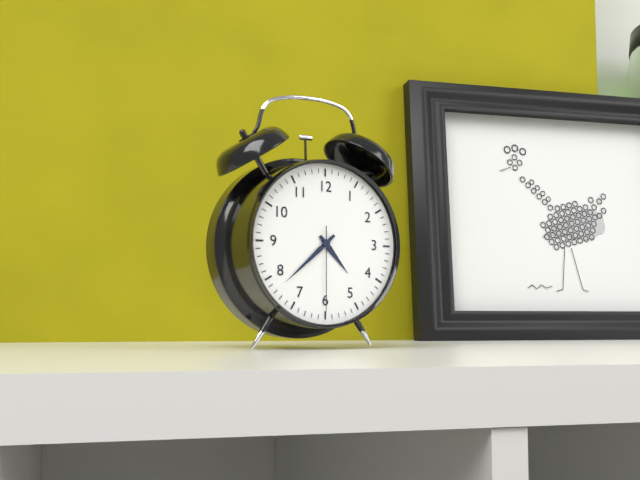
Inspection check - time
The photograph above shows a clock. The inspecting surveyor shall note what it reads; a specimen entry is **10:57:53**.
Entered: **4:38:30**
